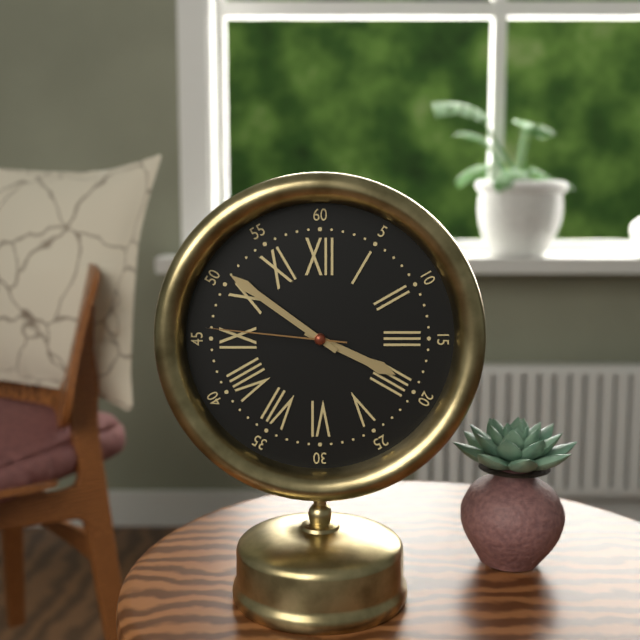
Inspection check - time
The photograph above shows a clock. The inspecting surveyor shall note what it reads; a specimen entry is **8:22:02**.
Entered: **3:51:46**
